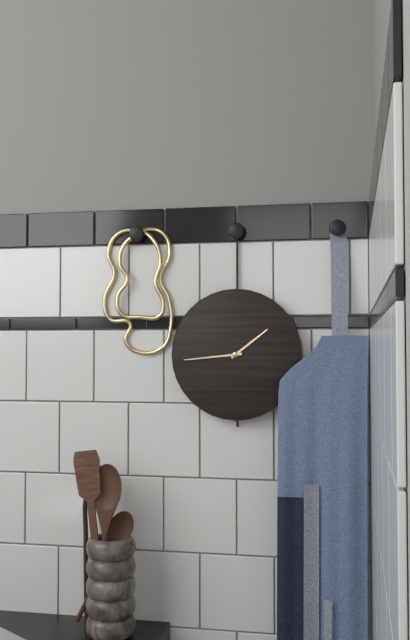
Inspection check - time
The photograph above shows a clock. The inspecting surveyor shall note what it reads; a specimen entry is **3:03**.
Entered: **1:44**
